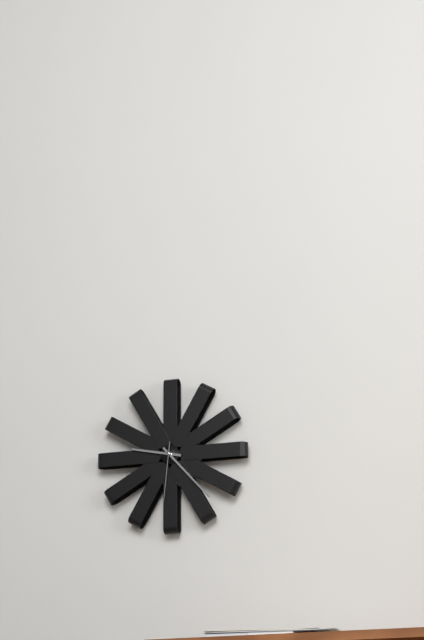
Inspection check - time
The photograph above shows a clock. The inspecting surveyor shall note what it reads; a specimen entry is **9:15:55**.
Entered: **9:23:31**
